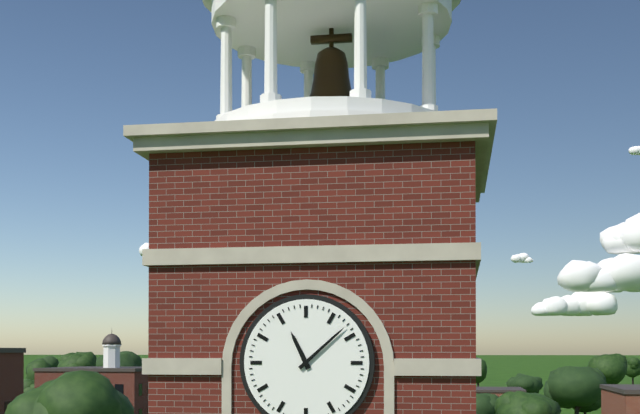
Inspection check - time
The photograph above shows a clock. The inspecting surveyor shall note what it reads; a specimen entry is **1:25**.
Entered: **11:08**
